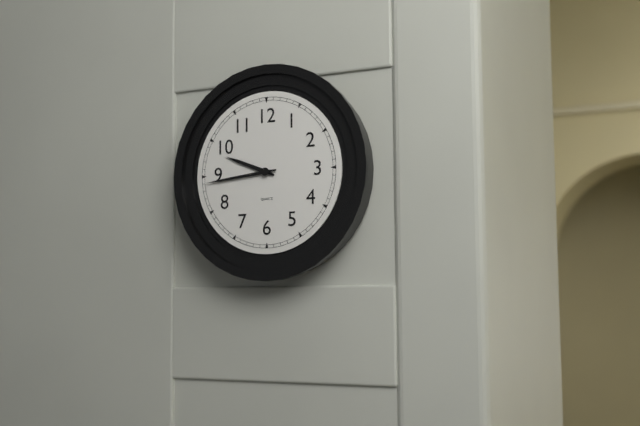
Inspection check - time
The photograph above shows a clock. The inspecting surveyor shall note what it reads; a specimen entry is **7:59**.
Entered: **9:44**
